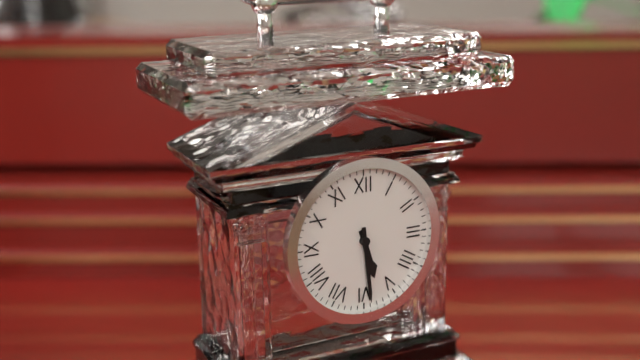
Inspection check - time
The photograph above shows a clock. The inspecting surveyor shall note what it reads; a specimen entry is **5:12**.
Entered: **5:29**
